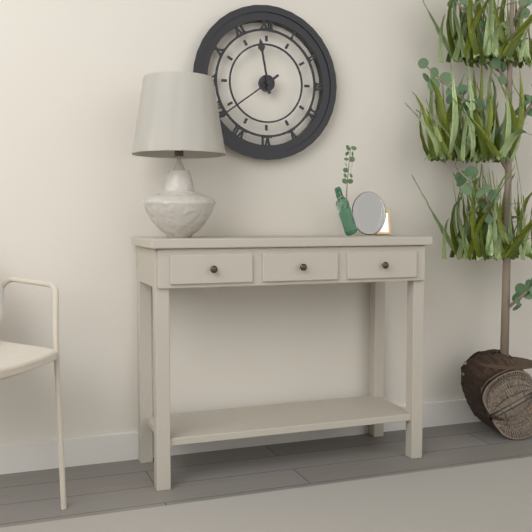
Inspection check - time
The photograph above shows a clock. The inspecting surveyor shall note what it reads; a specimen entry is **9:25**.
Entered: **11:39**
